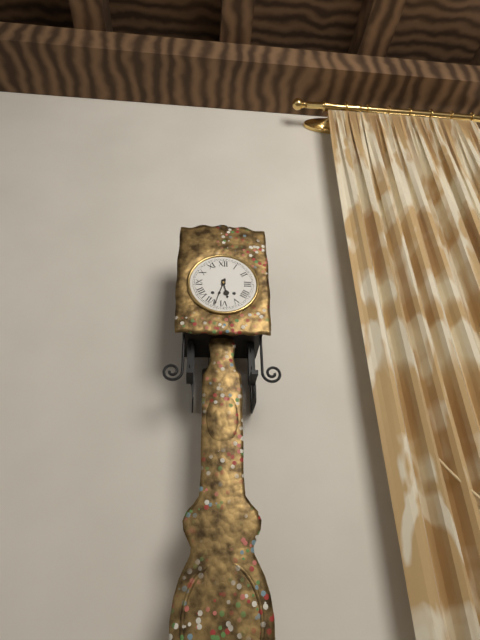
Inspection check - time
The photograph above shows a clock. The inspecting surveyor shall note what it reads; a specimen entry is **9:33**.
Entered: **5:33**
